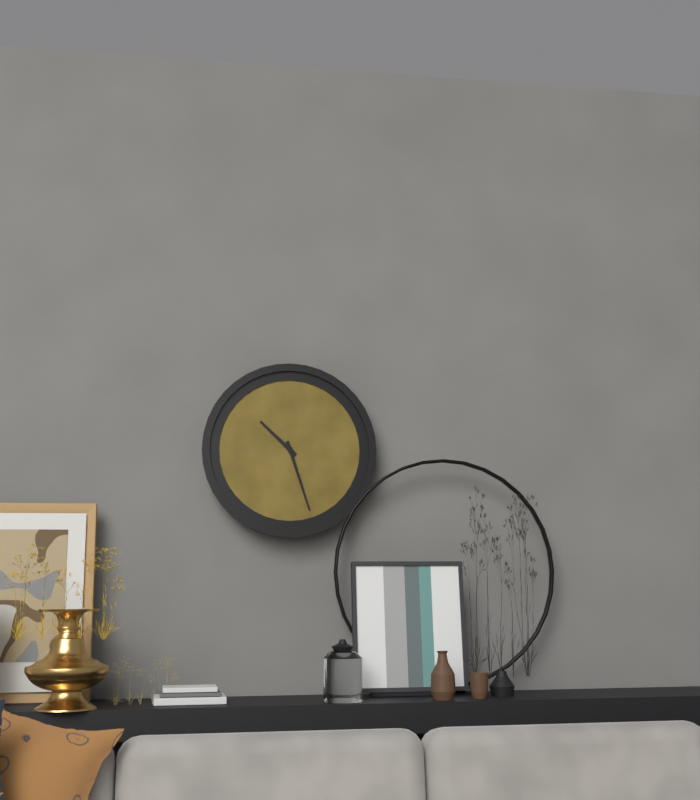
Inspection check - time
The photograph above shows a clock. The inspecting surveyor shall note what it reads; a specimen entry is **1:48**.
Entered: **10:27**
